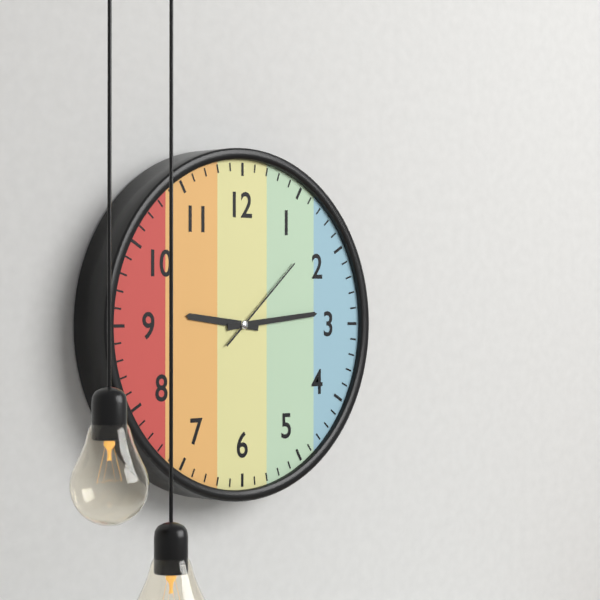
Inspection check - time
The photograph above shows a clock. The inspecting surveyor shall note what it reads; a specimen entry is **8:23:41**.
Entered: **9:14:08**
